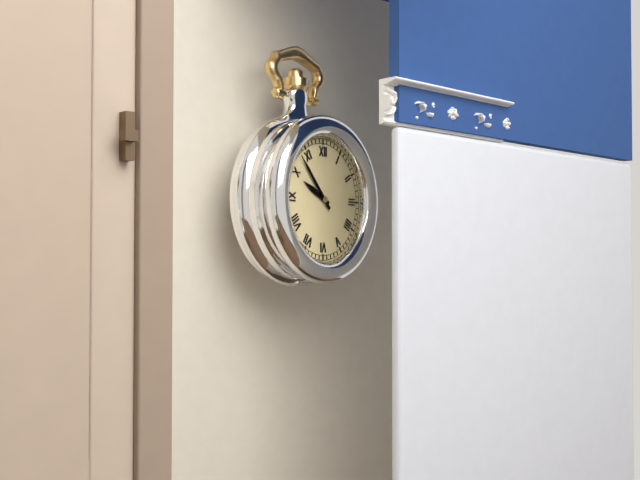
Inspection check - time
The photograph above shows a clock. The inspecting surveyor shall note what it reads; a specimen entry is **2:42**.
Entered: **9:53**
